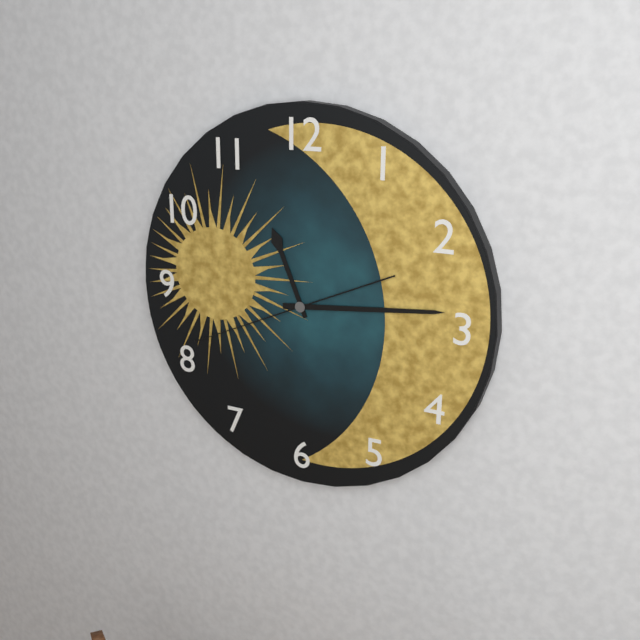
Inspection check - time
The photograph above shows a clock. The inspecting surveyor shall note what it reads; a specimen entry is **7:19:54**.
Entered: **11:14:41**
